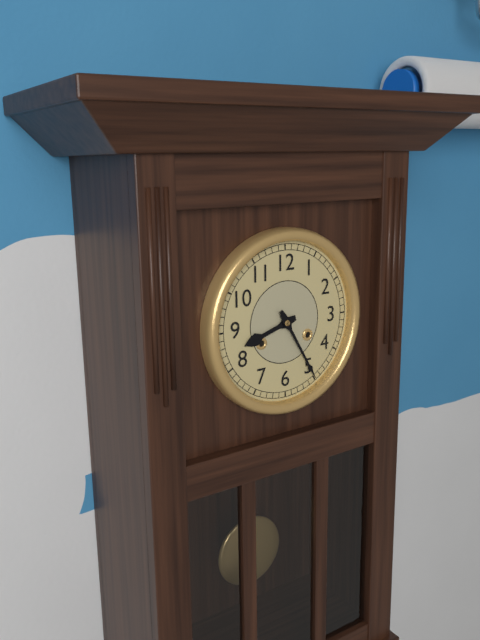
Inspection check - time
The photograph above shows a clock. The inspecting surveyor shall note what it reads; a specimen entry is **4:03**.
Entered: **8:25**
